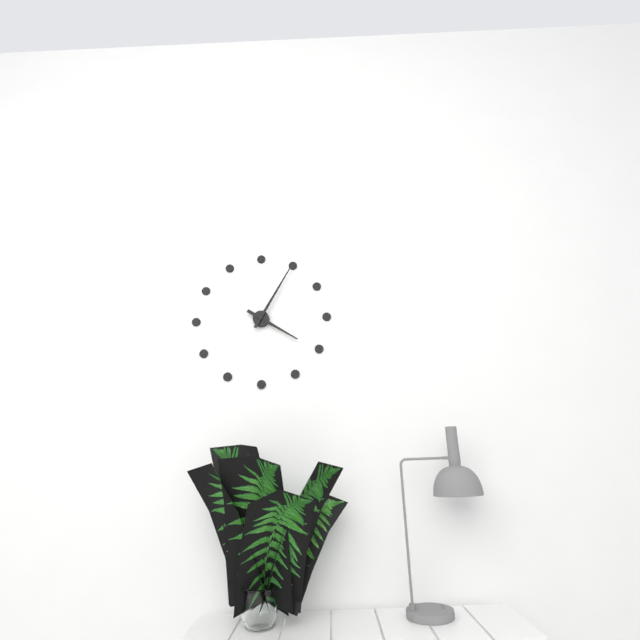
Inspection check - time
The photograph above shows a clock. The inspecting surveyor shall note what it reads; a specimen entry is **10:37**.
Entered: **4:05**
